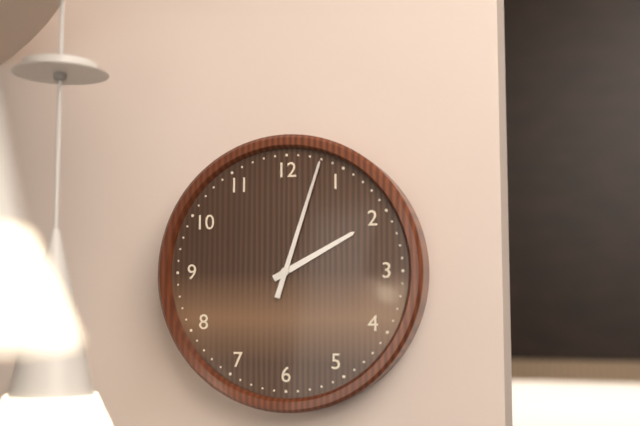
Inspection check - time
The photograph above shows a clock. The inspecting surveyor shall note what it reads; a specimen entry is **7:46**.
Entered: **2:03**
